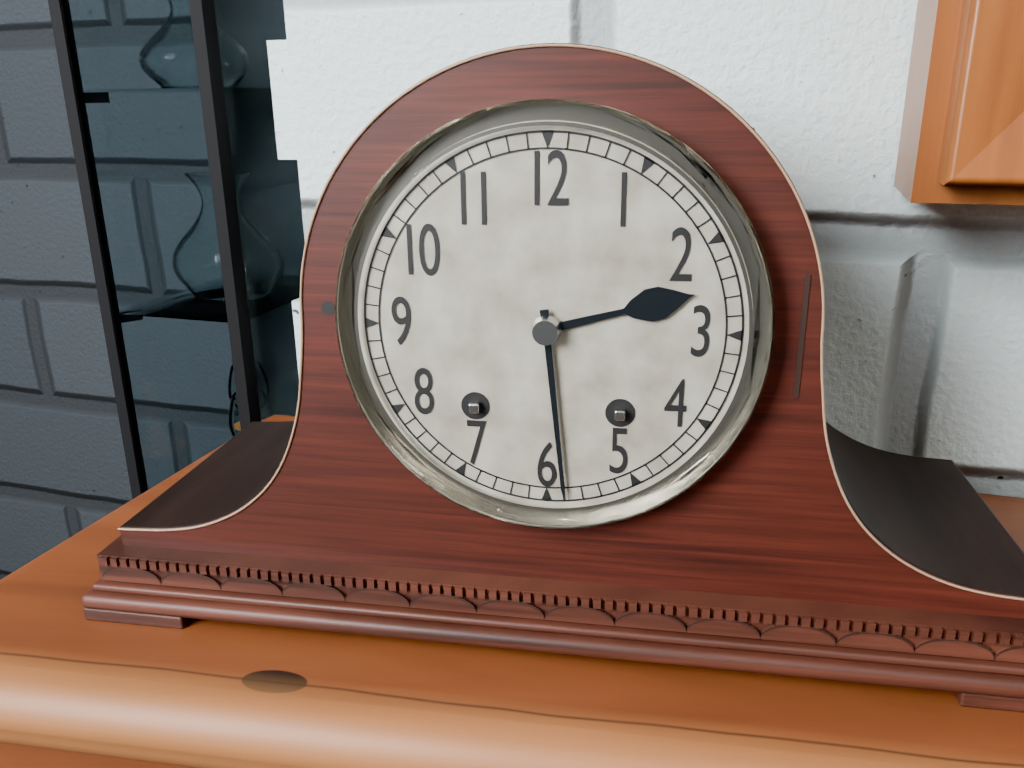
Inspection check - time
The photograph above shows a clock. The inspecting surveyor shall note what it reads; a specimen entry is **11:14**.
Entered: **2:29**
